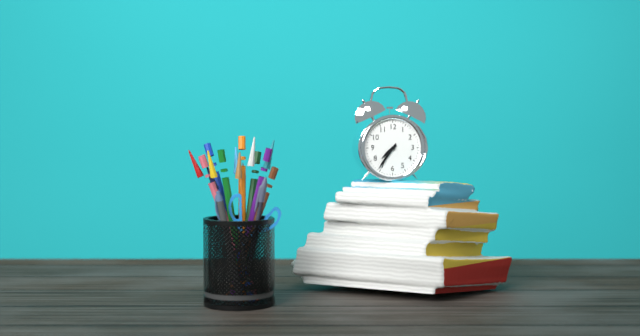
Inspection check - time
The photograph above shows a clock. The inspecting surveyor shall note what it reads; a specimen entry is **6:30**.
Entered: **7:36**
